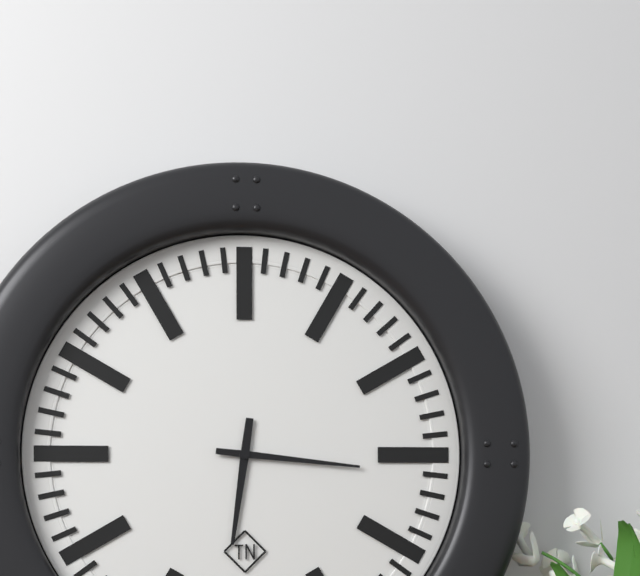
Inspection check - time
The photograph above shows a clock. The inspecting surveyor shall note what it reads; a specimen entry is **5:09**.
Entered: **6:16**
